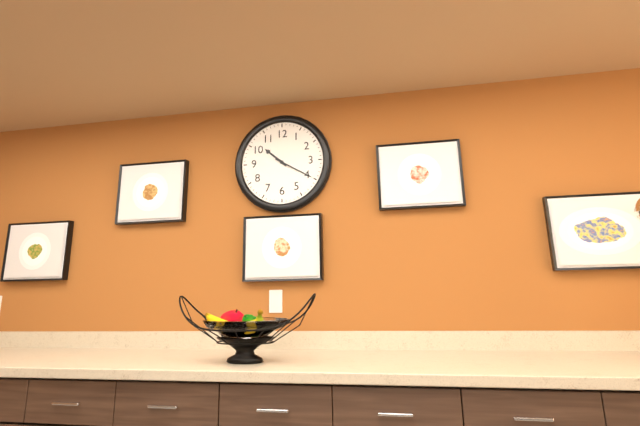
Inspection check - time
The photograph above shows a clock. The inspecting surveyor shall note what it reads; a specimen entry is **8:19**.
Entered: **10:20**
